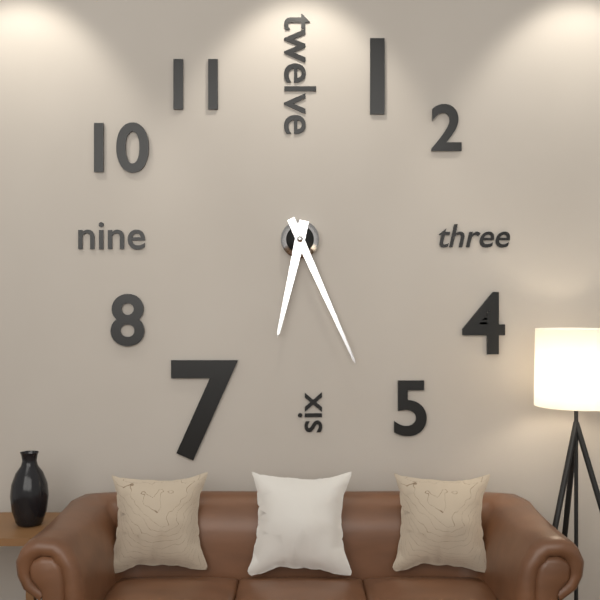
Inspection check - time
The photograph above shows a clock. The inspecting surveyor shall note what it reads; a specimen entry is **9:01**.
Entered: **6:26**
